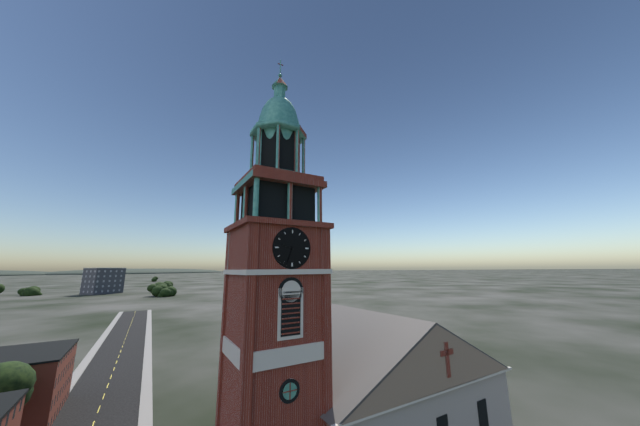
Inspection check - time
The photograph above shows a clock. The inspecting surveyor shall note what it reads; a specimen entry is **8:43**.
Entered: **9:33**
